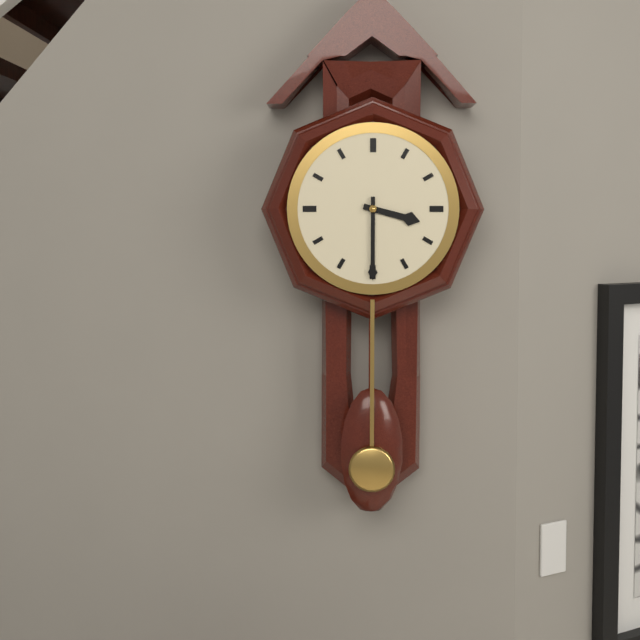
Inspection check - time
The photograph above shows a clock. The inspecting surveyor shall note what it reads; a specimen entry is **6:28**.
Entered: **3:30**
